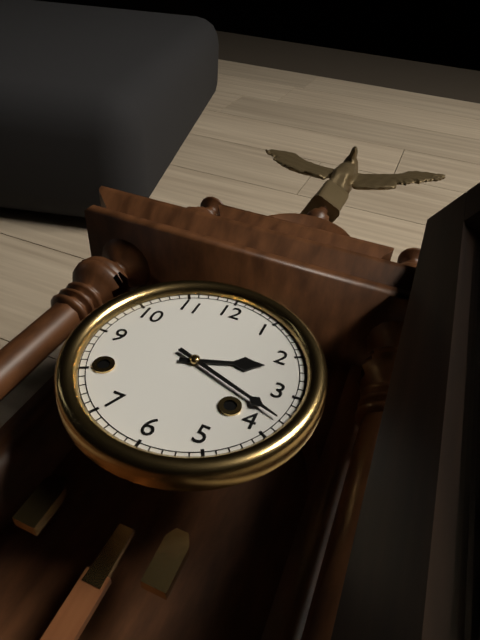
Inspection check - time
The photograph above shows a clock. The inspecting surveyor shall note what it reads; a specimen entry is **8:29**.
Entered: **2:18**
